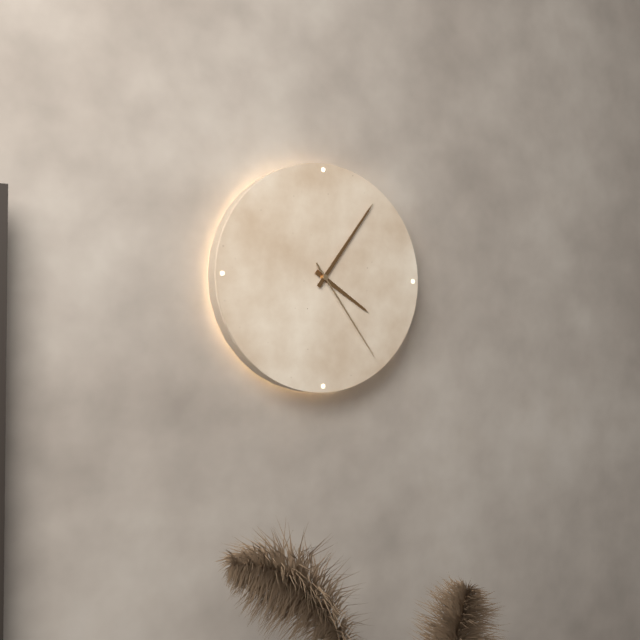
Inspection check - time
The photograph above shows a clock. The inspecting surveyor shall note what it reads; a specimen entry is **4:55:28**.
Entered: **4:06:24**
